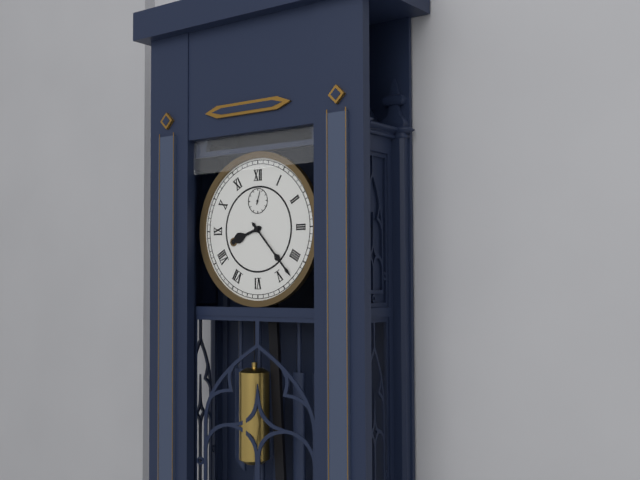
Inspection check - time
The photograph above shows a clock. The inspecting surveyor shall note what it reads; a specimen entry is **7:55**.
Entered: **8:23**
